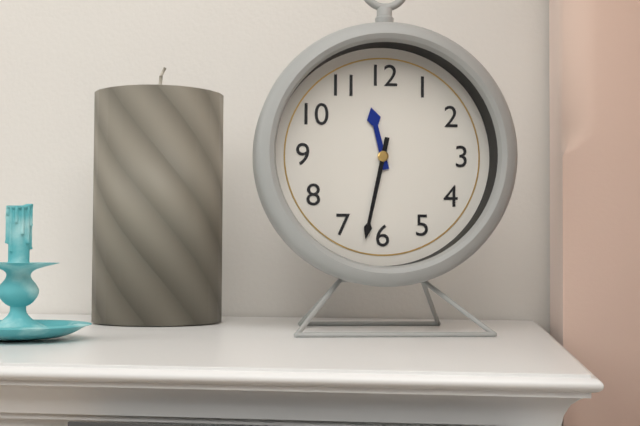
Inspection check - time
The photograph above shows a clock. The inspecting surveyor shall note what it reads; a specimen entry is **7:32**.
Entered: **11:32**
